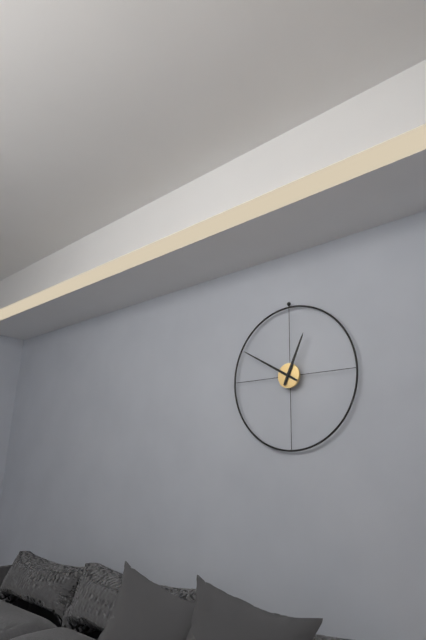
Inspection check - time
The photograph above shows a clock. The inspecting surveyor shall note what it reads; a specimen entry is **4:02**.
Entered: **12:50**
